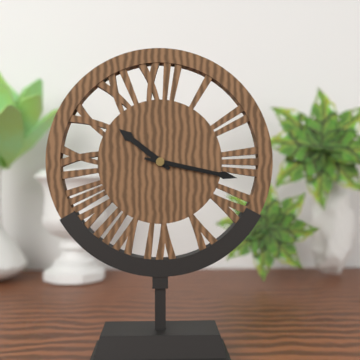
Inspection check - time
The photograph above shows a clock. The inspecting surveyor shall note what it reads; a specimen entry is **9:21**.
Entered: **10:17**
